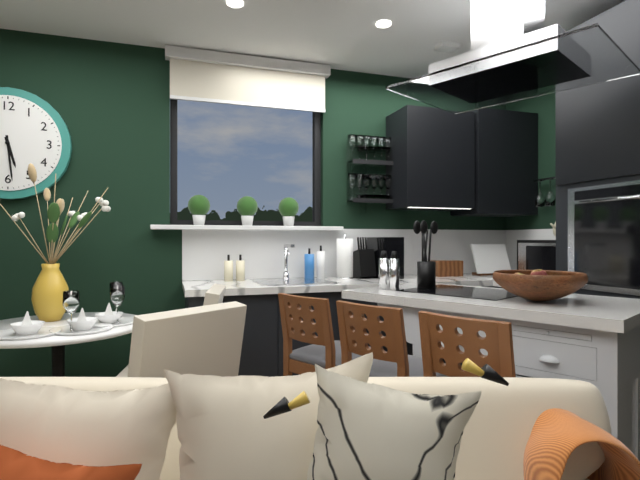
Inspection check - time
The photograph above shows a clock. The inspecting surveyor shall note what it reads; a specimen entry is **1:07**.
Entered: **5:29**
